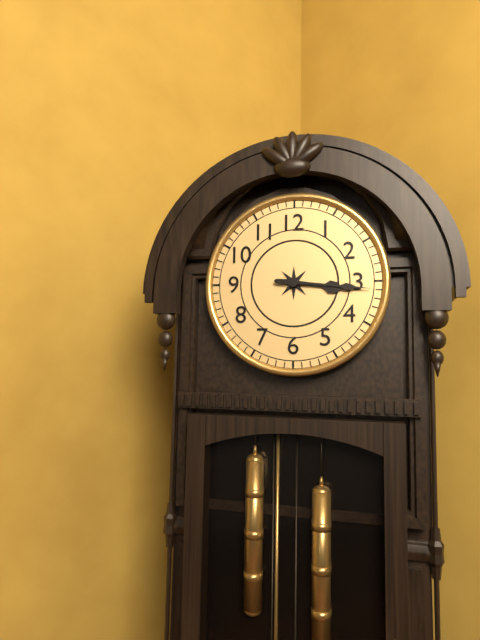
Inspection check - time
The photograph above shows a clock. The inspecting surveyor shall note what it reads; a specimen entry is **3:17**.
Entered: **3:16**
